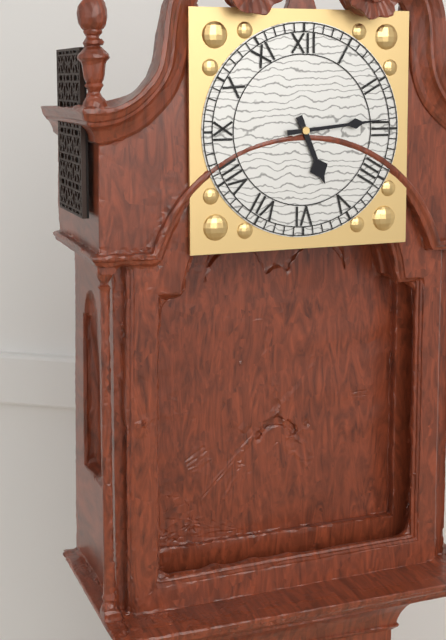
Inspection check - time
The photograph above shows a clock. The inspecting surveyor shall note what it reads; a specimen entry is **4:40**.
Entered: **5:14**
